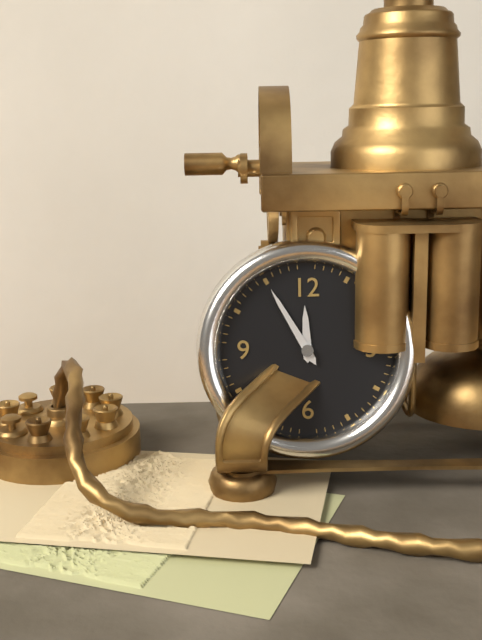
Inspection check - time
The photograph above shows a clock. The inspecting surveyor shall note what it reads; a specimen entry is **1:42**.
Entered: **11:55**
